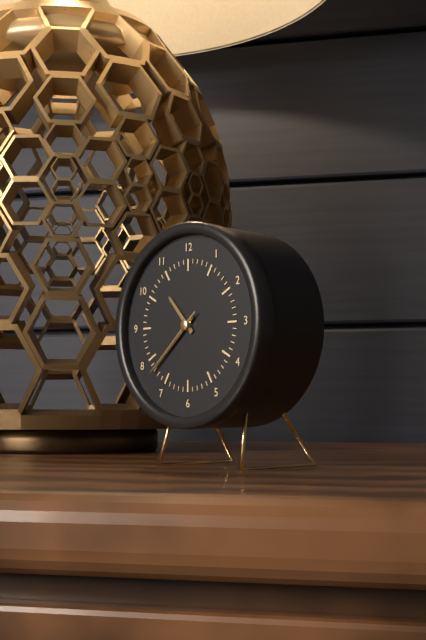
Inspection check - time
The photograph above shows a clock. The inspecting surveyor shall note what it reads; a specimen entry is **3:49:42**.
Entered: **10:38:38**
